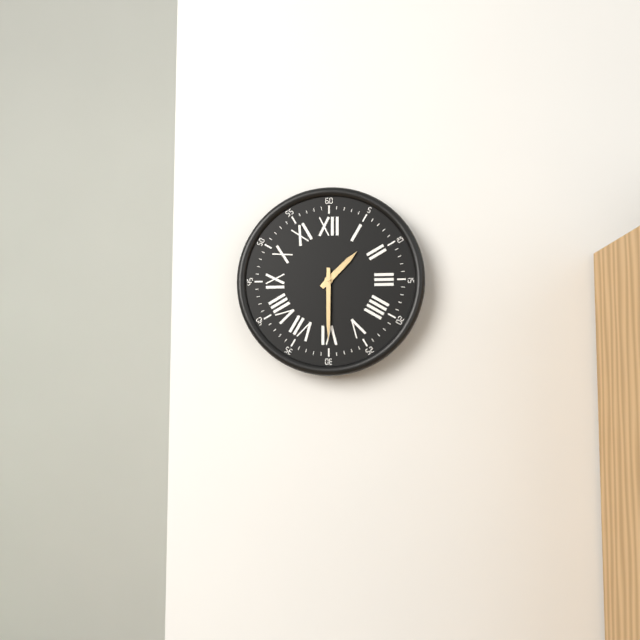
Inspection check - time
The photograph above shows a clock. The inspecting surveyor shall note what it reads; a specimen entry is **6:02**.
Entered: **1:30**
